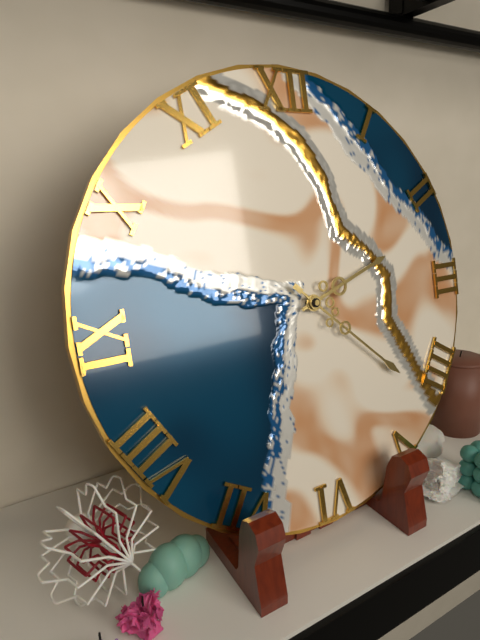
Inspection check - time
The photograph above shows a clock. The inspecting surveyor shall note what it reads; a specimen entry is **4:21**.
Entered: **2:22**
